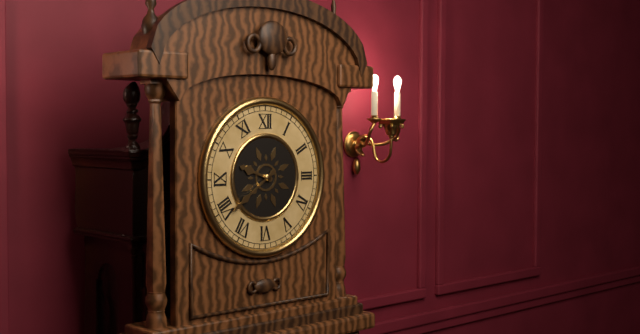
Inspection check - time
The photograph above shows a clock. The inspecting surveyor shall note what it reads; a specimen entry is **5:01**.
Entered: **9:39**
